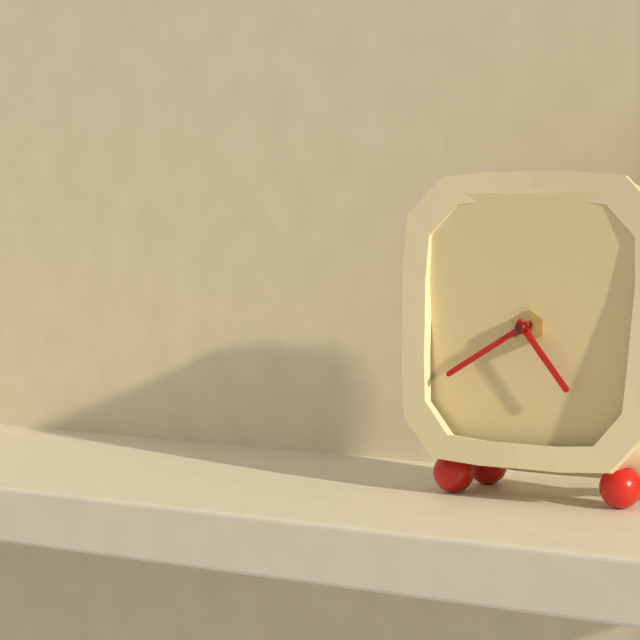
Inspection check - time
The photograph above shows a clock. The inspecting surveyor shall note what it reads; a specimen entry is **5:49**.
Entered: **4:40**
